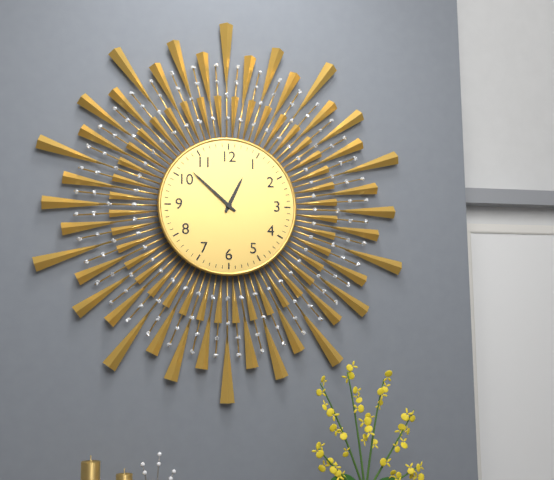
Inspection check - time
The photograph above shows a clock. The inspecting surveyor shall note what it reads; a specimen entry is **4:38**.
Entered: **12:52**
